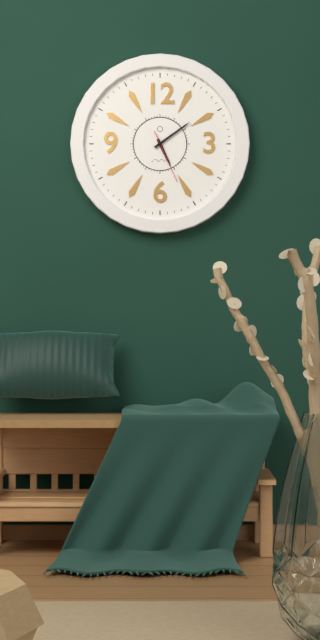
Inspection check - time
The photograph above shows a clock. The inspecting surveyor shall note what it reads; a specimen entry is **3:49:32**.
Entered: **5:09:26**
